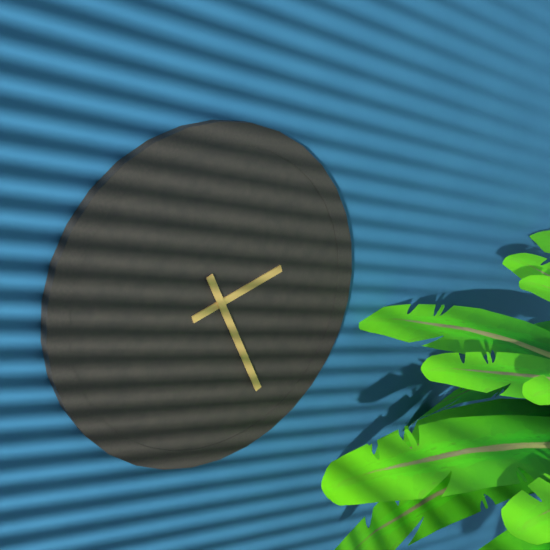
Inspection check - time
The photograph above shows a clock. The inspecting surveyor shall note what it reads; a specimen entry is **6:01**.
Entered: **2:26**
